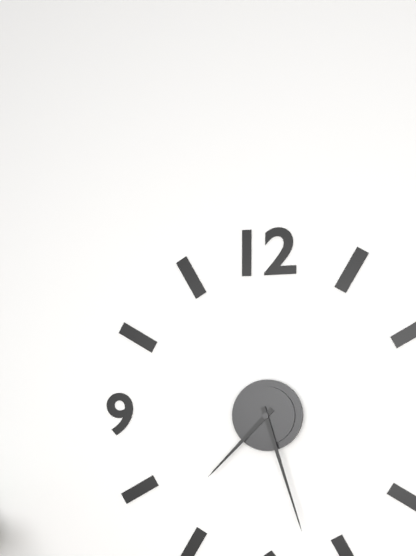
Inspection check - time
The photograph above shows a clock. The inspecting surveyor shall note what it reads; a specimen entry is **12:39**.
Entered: **7:27**
